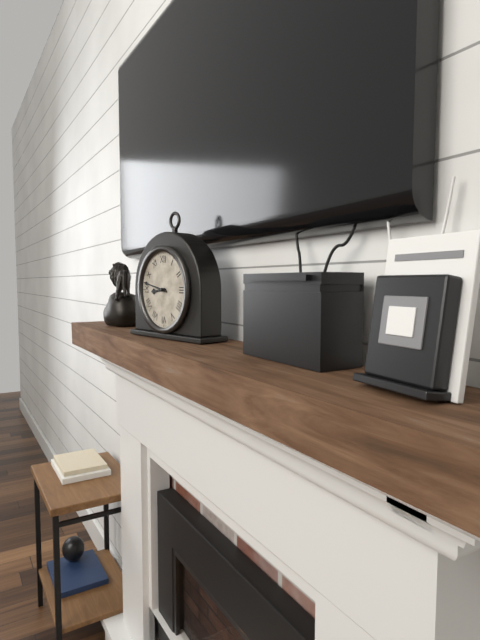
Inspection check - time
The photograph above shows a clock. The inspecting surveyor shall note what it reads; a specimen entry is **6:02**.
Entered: **8:47**
